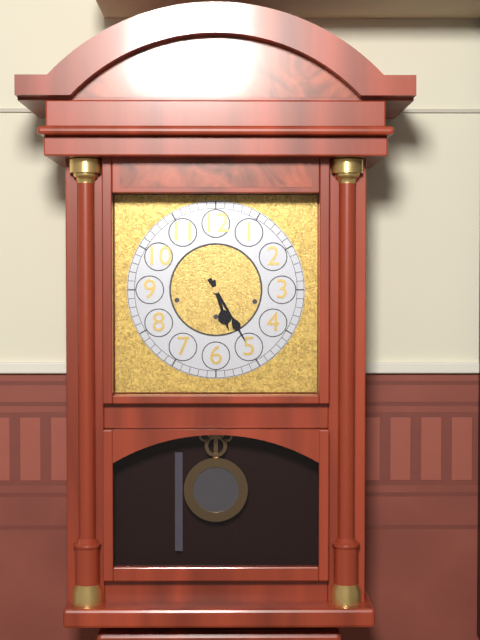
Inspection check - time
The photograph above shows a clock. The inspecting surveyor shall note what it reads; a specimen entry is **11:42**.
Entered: **5:25**
